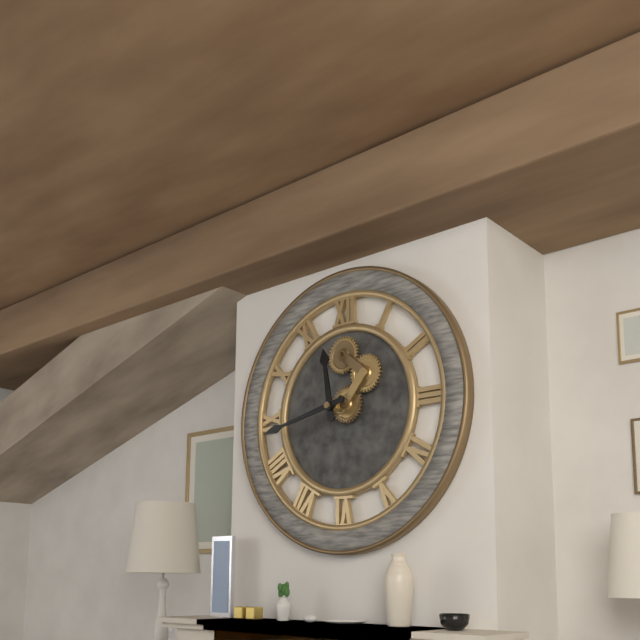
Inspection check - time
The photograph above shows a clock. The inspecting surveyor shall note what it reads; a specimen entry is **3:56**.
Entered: **11:43**
